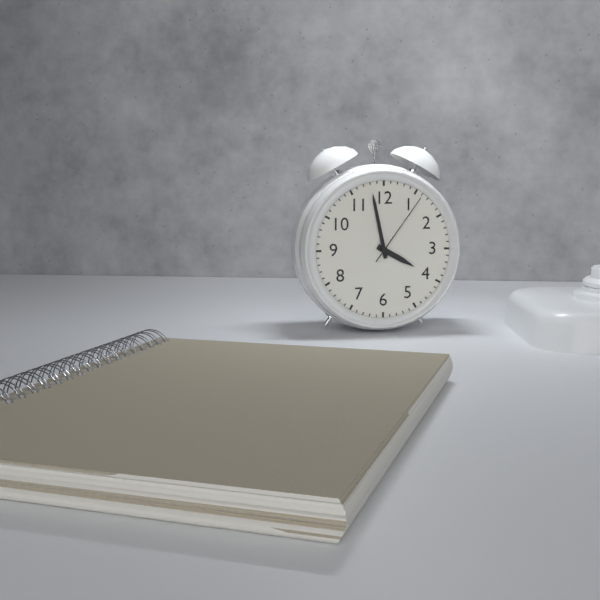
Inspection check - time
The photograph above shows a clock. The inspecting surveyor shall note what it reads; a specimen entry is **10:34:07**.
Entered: **3:58:06**
